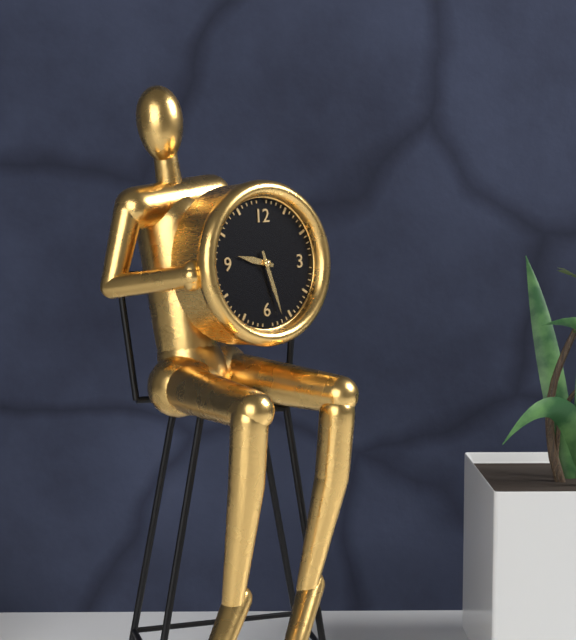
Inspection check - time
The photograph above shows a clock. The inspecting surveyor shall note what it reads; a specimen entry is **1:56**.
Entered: **9:27**
